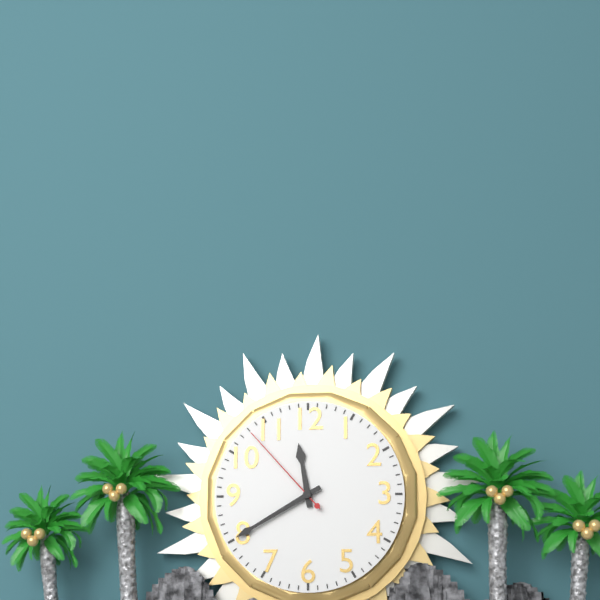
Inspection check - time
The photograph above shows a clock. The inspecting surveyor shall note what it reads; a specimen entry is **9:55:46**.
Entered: **11:40:53**
